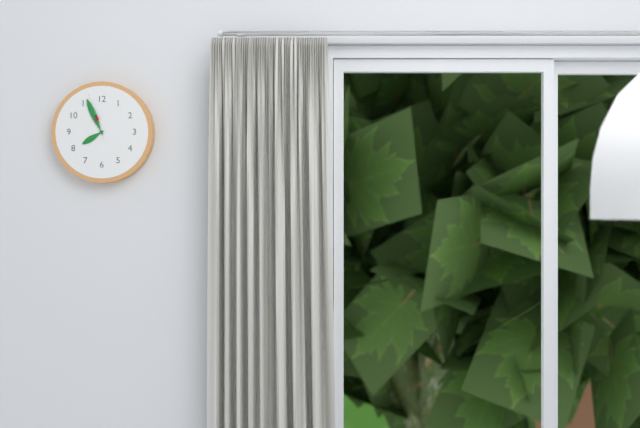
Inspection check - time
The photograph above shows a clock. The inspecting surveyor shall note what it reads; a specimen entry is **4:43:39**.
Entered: **7:56:57**
